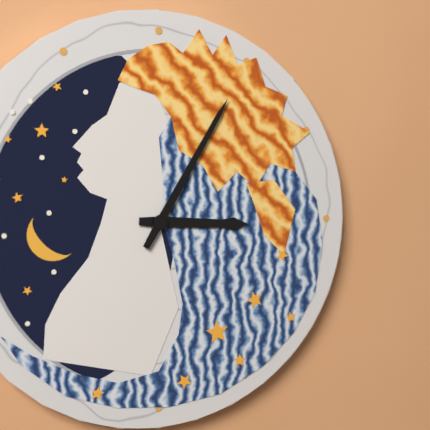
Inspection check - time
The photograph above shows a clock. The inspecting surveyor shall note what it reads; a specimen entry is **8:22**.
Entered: **3:05**
